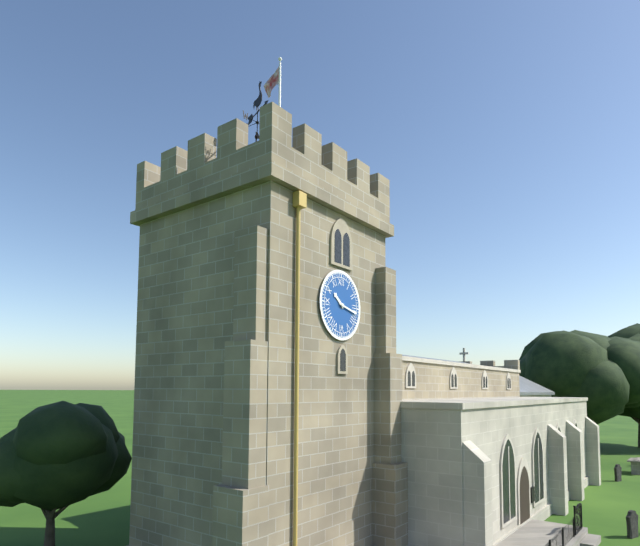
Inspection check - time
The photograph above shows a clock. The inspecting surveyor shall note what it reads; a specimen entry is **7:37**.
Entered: **10:17**
